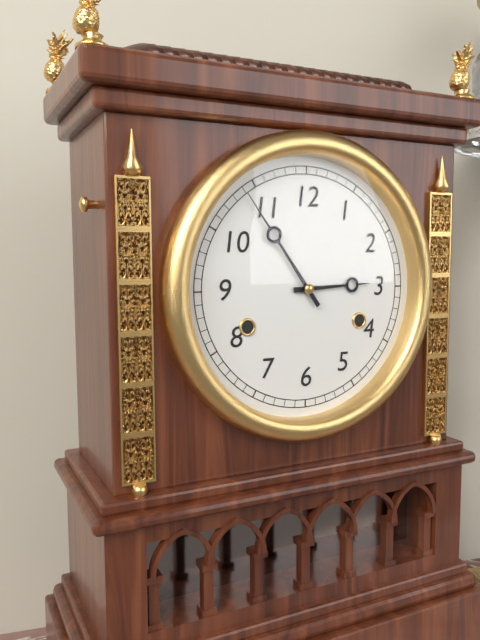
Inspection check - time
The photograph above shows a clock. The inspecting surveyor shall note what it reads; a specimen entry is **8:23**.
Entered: **2:54**
